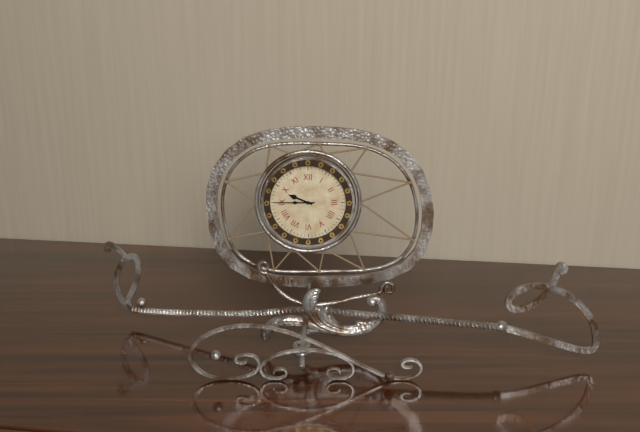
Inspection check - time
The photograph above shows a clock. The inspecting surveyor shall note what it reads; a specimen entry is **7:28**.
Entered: **9:45**
